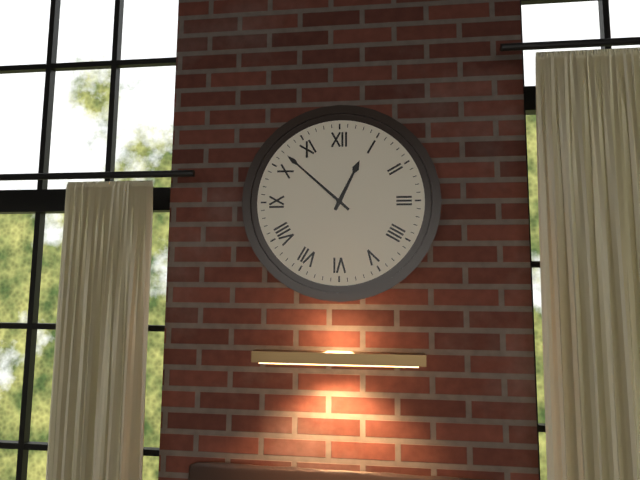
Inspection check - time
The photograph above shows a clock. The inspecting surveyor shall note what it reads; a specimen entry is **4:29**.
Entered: **12:52**
